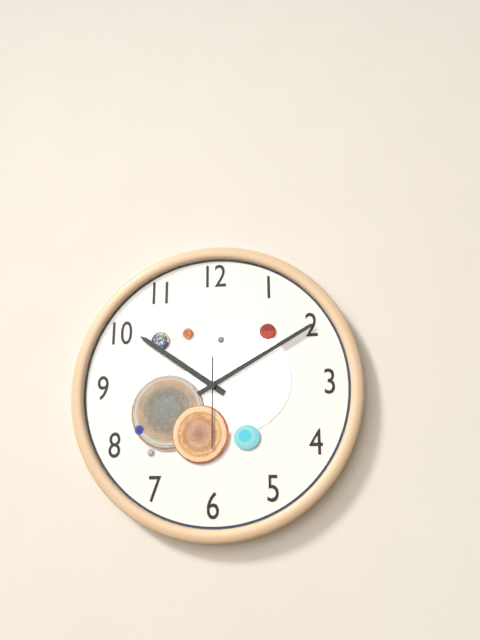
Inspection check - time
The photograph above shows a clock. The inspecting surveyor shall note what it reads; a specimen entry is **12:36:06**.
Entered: **10:10:30**
